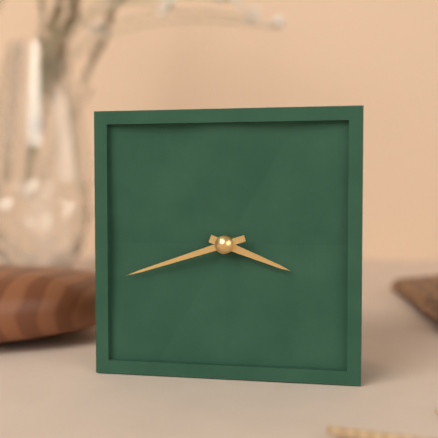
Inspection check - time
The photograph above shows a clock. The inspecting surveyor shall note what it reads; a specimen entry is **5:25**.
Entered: **3:42**
